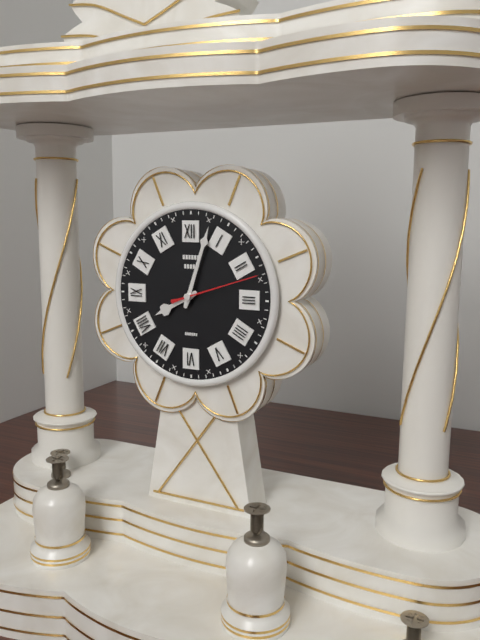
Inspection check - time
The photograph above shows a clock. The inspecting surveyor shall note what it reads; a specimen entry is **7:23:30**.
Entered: **8:03:12**
